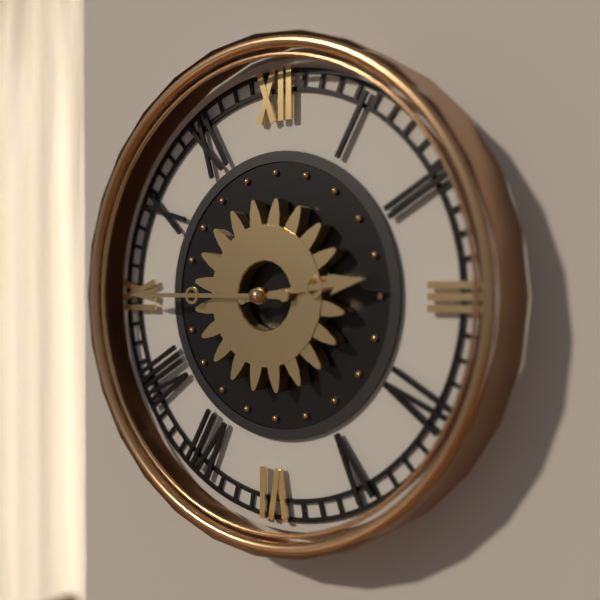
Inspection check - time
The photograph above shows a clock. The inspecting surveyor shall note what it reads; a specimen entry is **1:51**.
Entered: **2:45**
